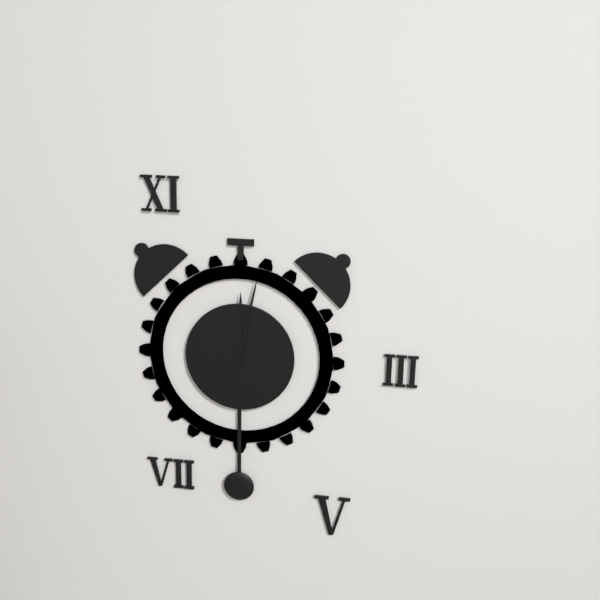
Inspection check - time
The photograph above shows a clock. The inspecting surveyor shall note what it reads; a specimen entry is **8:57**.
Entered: **12:02**
